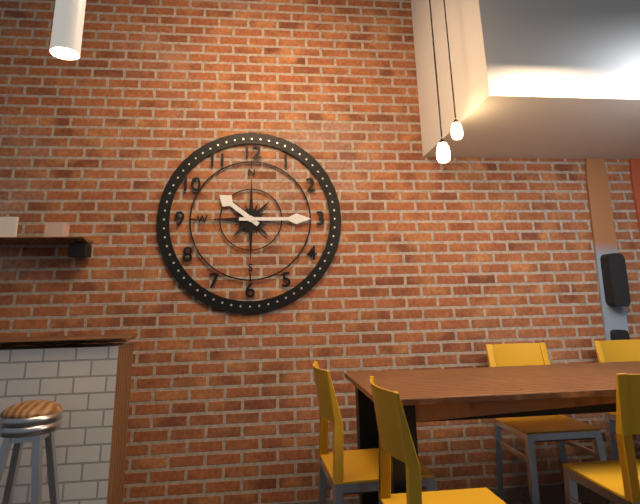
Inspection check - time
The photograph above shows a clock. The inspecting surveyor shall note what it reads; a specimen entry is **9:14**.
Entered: **10:15**
